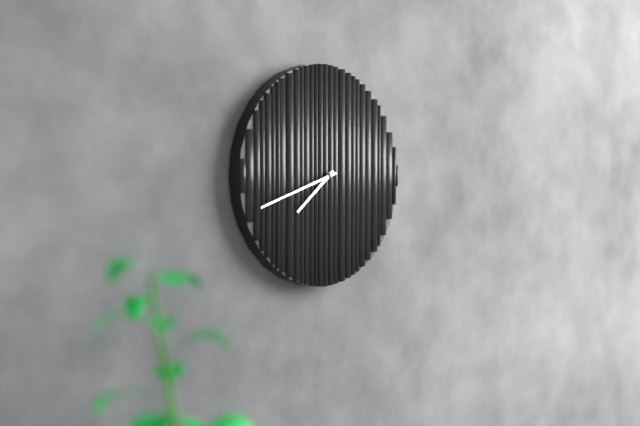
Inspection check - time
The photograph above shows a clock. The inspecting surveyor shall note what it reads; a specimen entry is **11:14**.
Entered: **7:42**
